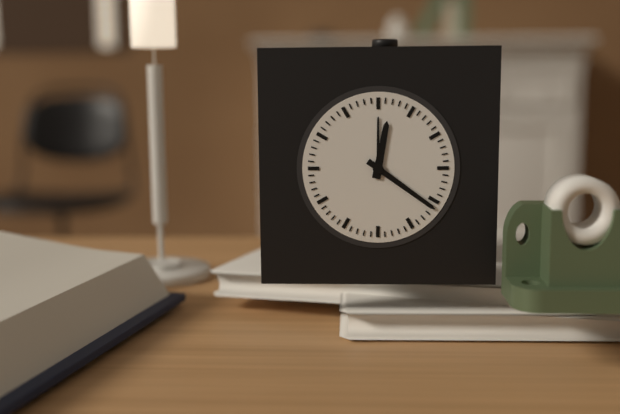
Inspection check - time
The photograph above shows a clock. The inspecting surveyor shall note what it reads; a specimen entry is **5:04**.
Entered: **12:21**
